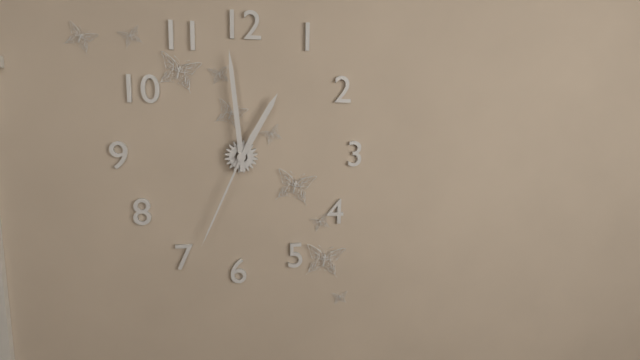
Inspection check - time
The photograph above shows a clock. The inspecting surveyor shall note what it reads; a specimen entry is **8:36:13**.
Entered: **12:59:34**
